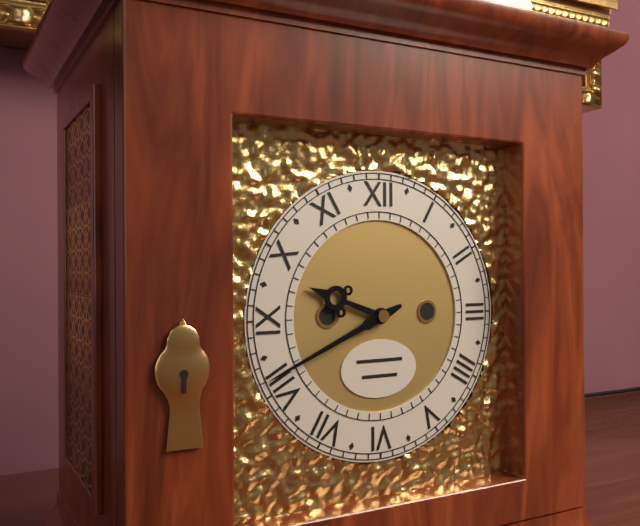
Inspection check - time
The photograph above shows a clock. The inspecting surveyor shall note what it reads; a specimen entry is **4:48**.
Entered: **9:41**
